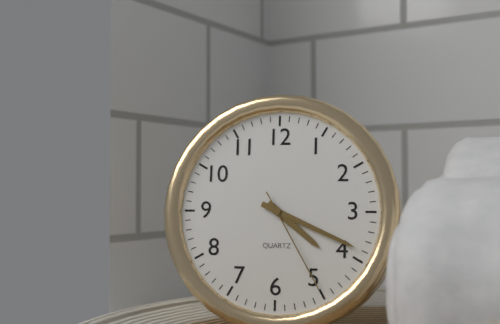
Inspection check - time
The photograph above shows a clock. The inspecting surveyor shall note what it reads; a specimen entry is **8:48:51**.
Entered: **4:19:25**
